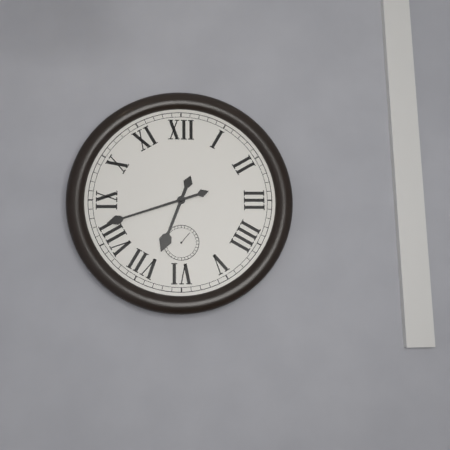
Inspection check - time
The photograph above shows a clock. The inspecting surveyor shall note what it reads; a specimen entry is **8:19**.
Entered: **6:42**
